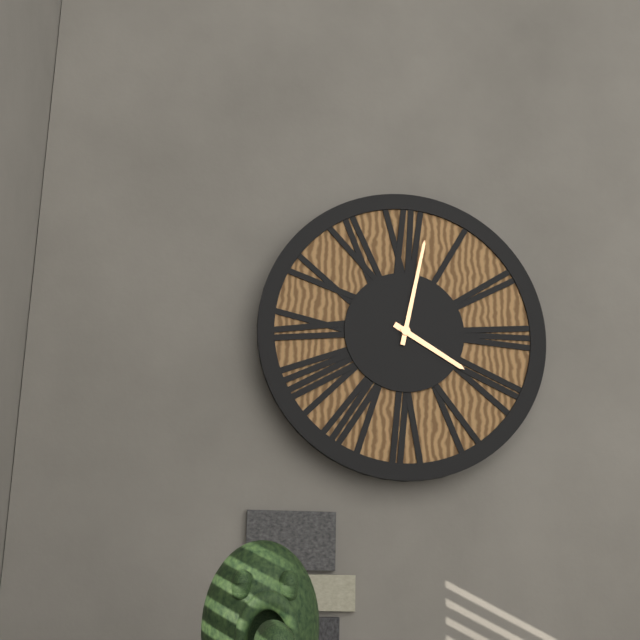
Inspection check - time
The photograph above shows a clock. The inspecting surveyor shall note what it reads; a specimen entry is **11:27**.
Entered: **4:02**
